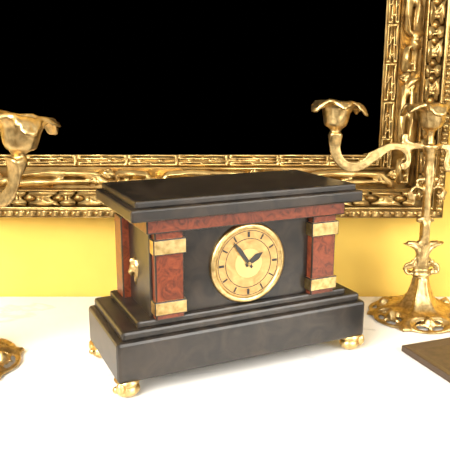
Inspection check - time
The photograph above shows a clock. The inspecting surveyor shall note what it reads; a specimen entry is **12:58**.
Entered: **1:54**
